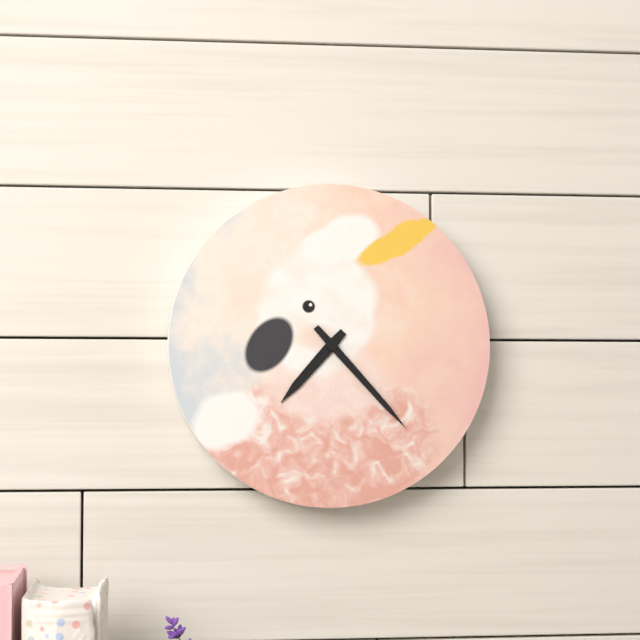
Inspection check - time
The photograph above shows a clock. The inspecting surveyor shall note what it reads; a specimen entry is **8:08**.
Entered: **7:23**
